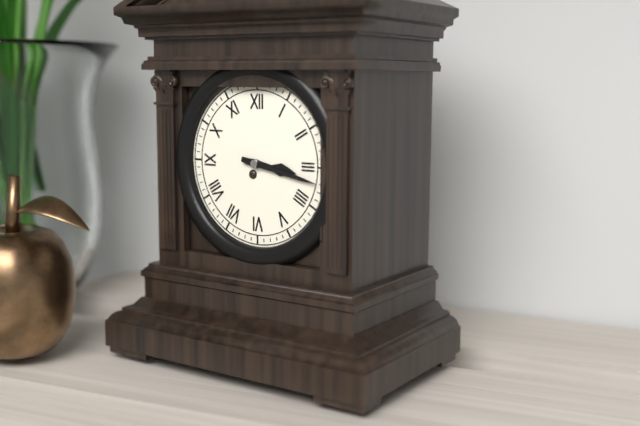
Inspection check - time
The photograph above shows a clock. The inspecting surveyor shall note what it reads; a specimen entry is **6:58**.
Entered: **3:17**
